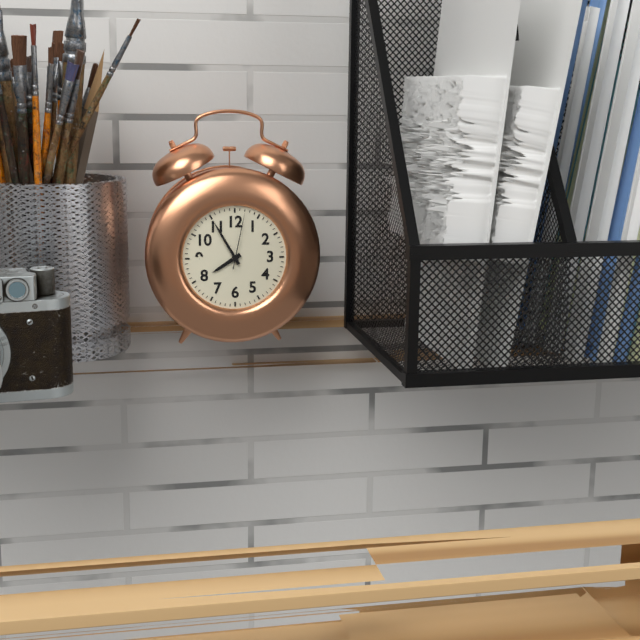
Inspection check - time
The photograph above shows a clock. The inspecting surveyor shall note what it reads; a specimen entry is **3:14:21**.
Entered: **7:55:02**
